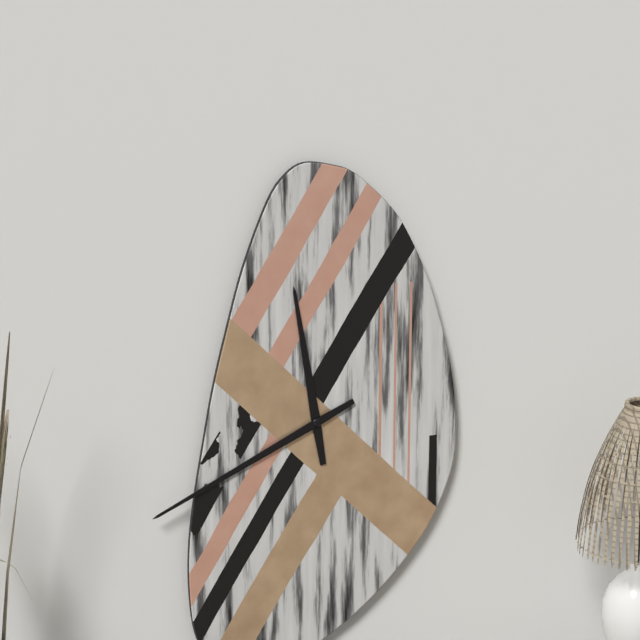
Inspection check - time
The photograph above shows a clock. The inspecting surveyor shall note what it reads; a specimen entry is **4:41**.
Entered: **11:41**
